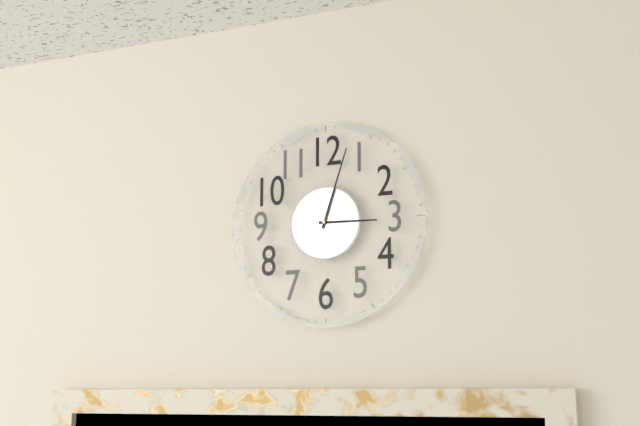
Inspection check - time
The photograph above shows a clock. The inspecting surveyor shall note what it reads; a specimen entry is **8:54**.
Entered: **3:03**
